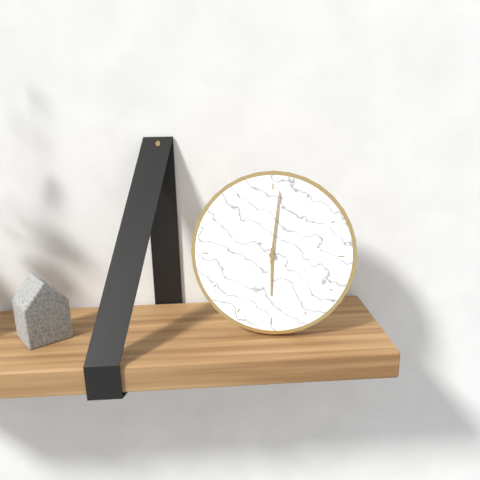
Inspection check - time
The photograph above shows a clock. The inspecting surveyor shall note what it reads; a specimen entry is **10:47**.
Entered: **6:01**
